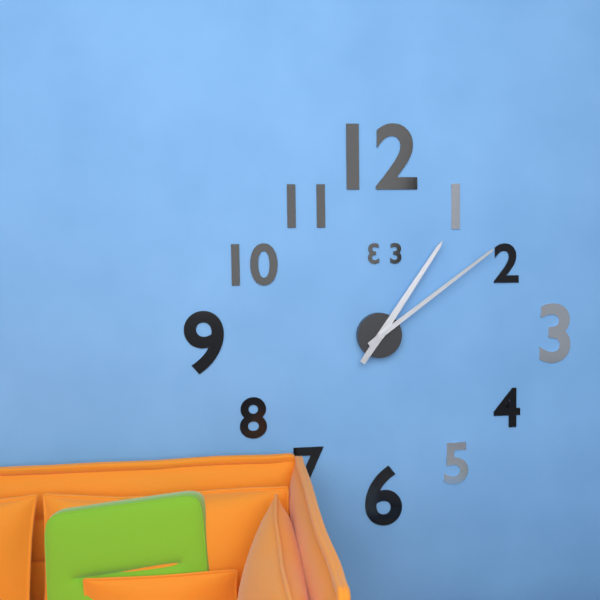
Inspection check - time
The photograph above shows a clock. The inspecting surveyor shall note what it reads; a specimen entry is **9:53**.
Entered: **1:09**
